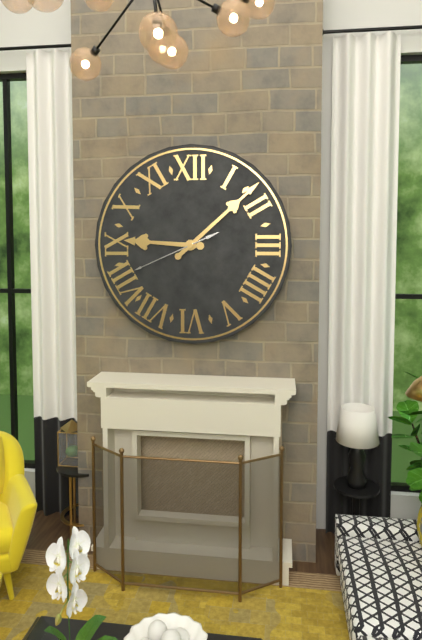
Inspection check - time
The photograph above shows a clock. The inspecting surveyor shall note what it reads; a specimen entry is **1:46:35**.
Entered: **9:08:41**
